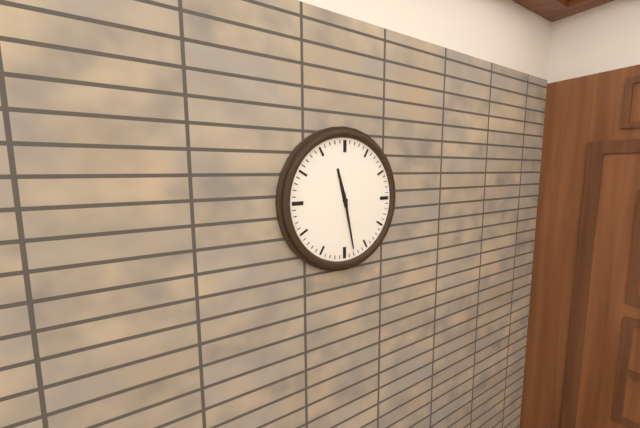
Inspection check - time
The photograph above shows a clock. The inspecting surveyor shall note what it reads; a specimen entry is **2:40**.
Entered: **11:28**
